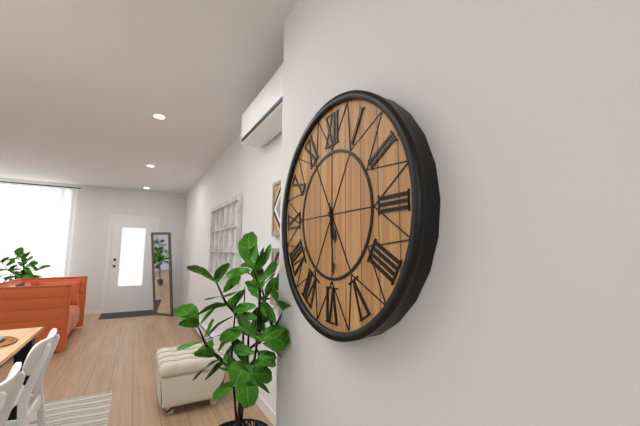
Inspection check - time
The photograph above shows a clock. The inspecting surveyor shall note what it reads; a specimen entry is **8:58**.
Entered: **5:29**
